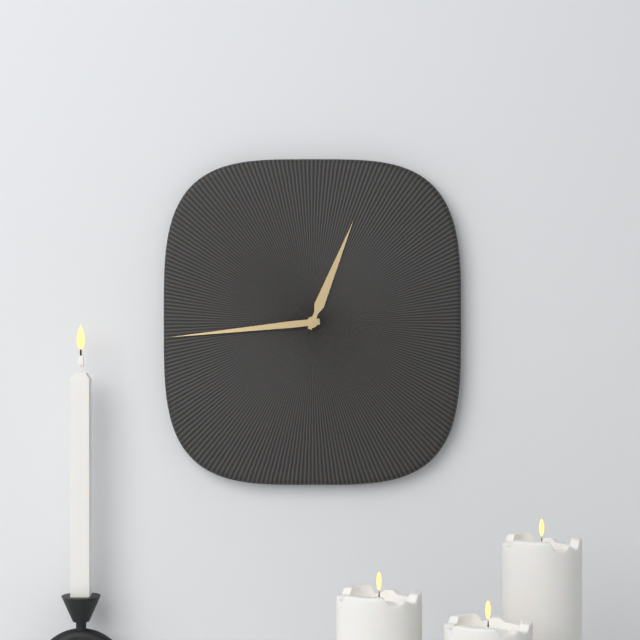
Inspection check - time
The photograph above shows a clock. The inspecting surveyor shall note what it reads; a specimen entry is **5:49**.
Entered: **12:44**
